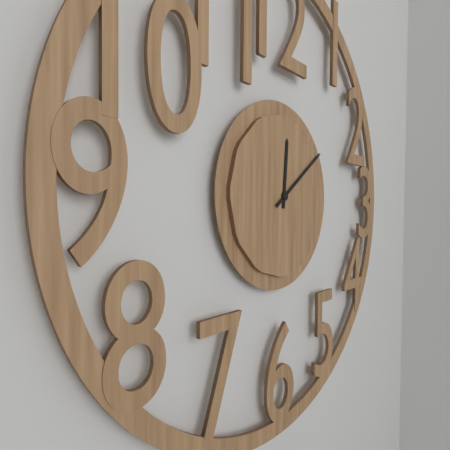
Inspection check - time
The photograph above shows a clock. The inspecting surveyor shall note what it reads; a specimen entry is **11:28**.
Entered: **12:09**
